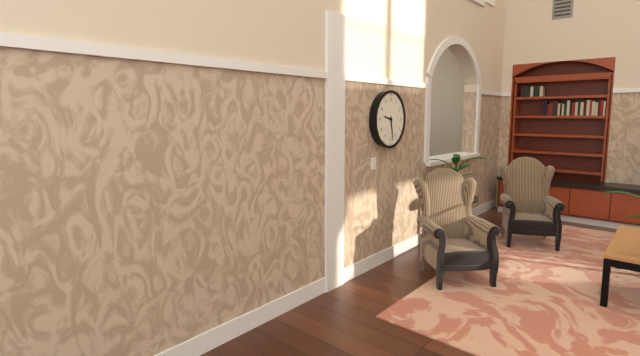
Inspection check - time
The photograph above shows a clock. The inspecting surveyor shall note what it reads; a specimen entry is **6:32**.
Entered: **9:28**
